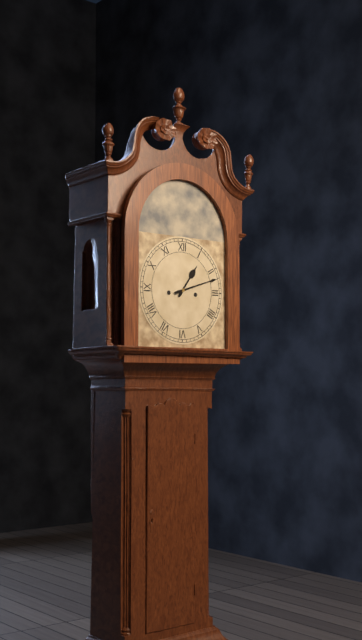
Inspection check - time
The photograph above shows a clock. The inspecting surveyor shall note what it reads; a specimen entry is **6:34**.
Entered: **1:12**
